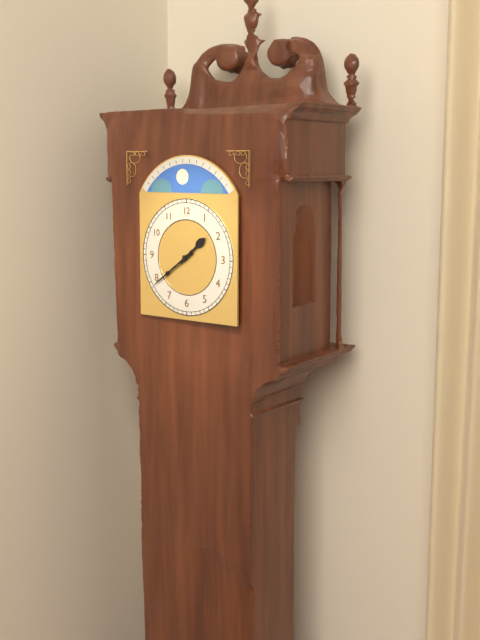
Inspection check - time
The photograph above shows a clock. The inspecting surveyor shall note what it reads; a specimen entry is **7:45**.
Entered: **1:39**
